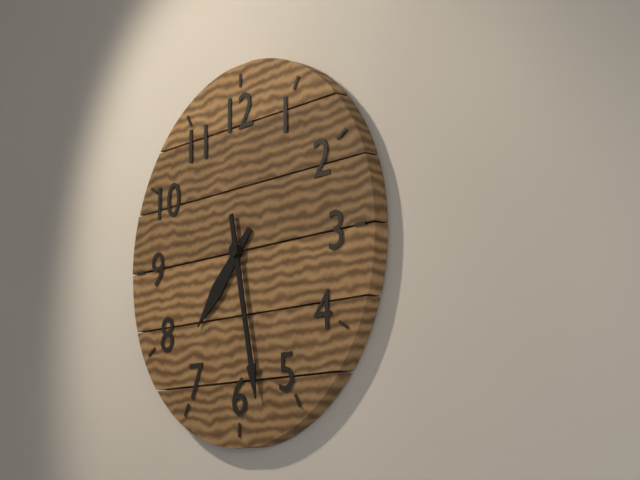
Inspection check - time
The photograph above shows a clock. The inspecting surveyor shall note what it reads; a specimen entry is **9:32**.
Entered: **7:28**
